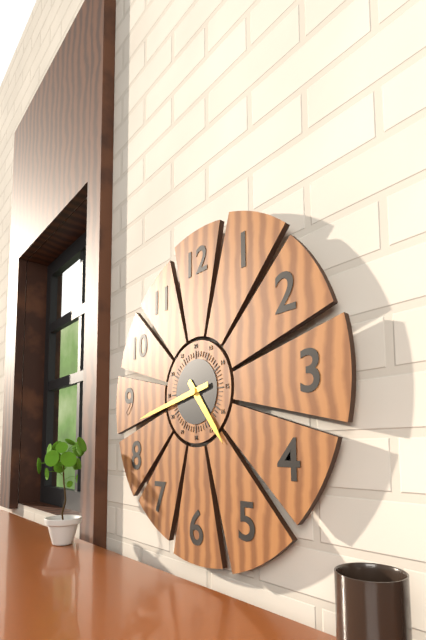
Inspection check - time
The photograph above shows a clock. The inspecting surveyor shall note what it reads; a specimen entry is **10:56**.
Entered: **4:43**
